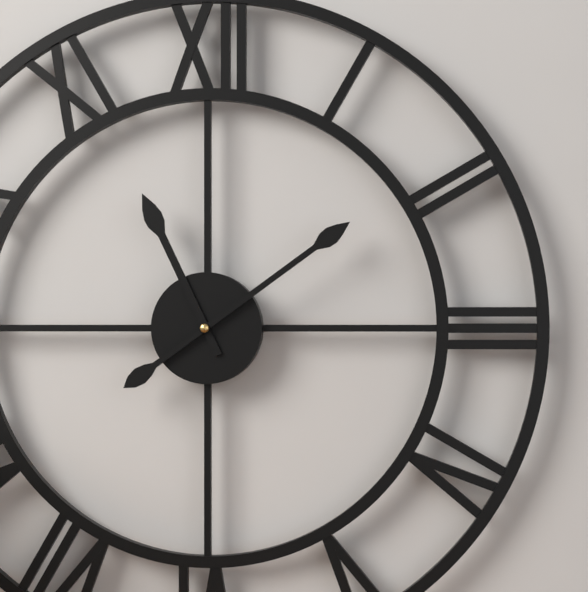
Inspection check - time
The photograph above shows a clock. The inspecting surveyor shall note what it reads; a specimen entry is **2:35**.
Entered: **11:09**
